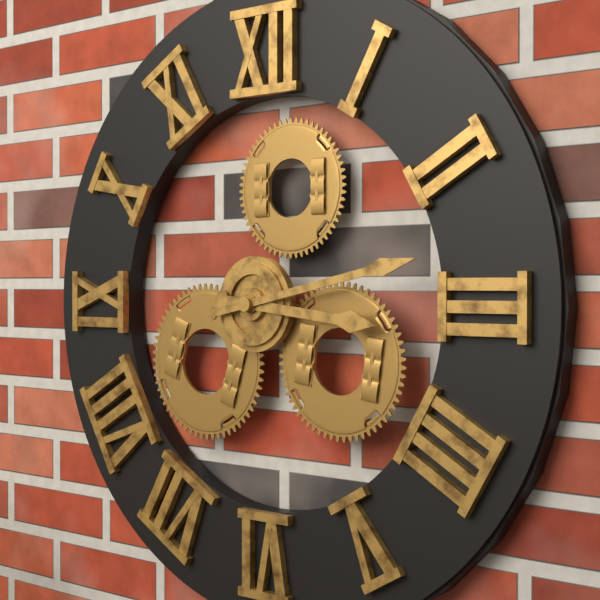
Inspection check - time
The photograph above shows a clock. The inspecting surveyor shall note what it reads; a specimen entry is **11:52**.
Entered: **3:13**
